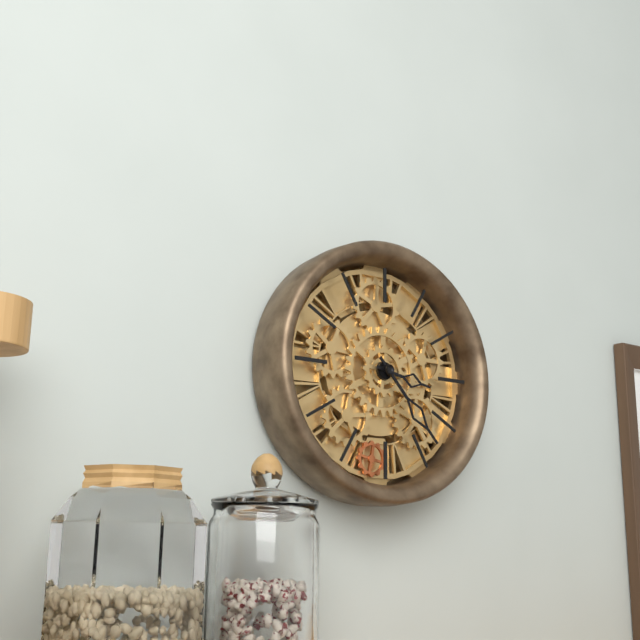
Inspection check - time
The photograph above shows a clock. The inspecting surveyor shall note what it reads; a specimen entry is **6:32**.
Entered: **3:23**
